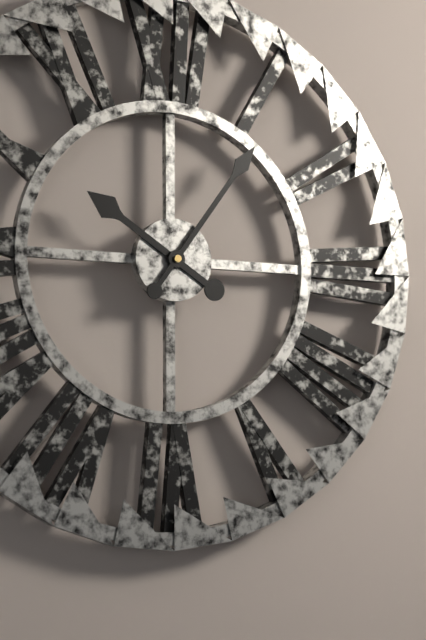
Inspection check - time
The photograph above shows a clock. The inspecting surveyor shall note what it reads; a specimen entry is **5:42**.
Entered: **10:06**
